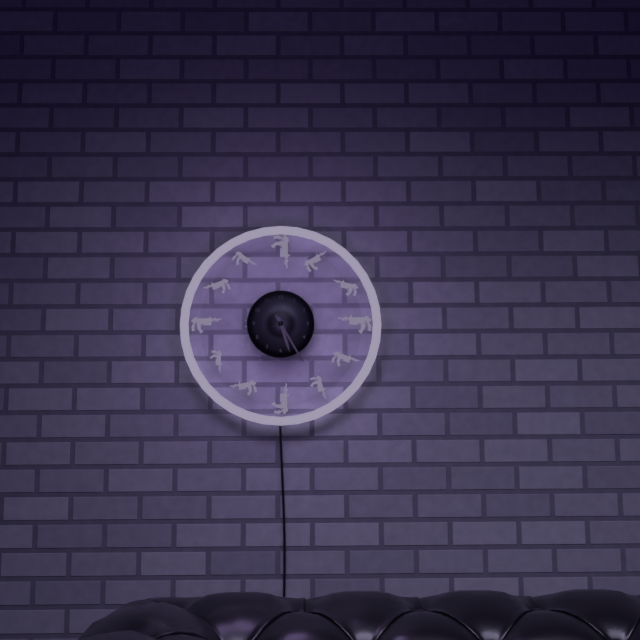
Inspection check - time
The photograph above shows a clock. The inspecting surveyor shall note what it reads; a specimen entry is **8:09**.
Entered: **5:25**
